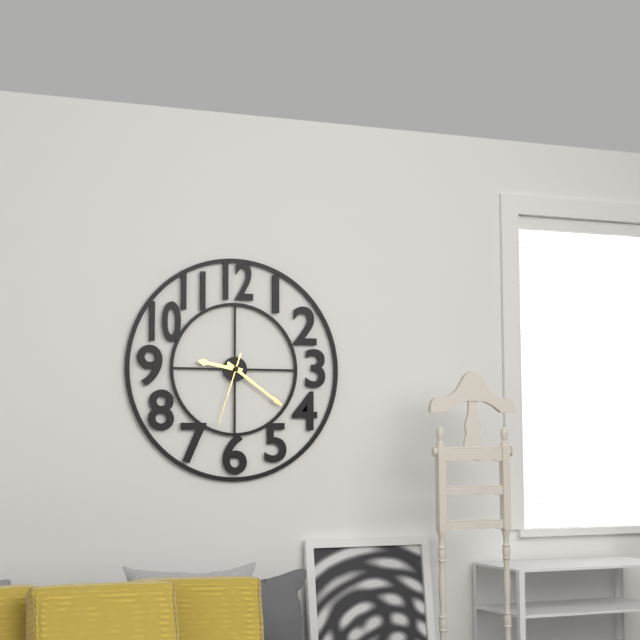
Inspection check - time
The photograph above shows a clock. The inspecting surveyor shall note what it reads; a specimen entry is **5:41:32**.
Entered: **9:21:33**
